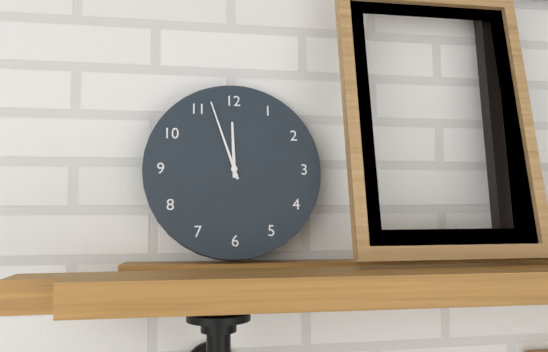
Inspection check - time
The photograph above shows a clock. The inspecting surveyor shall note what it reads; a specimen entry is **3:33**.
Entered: **11:57**
